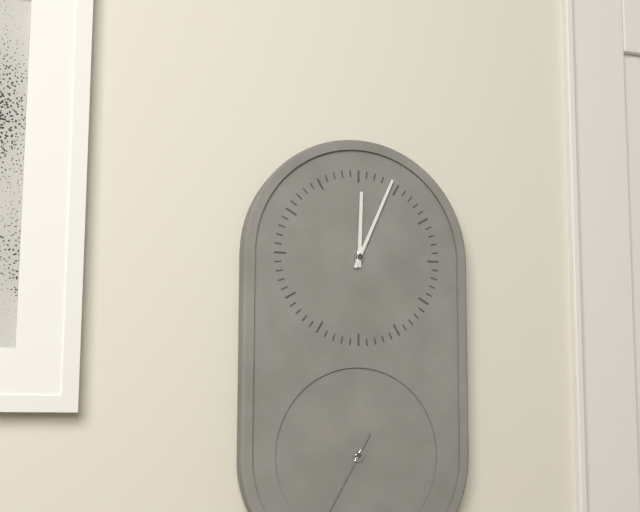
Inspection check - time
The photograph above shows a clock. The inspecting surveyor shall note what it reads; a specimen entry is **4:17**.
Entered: **12:04**
